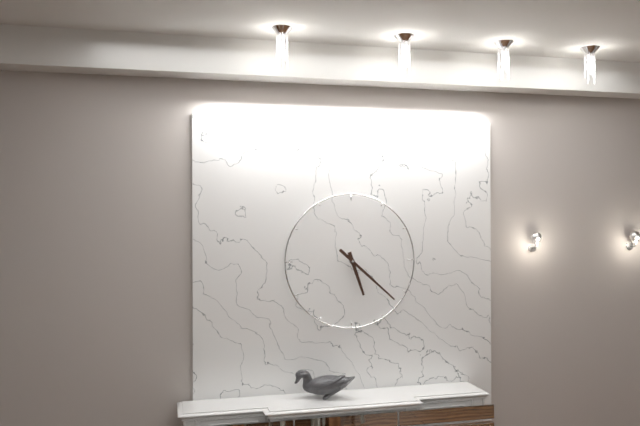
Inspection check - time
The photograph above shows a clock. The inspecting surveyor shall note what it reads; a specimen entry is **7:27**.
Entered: **5:22**
